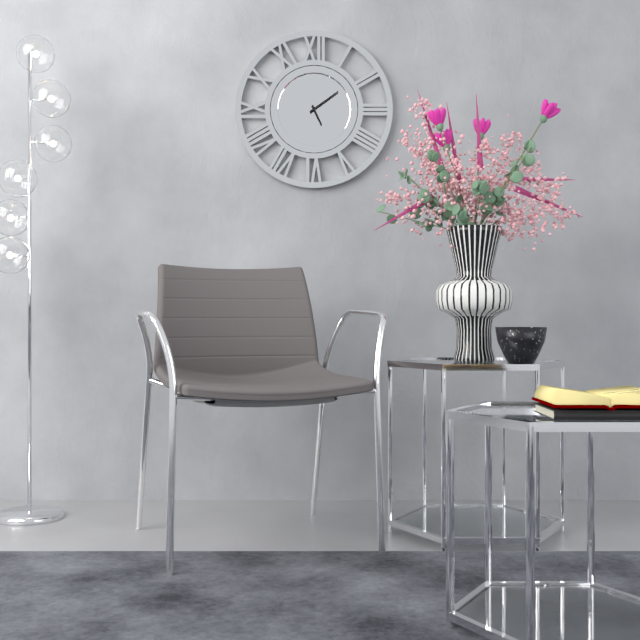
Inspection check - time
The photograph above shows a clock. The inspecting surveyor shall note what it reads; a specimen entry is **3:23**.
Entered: **5:09**
